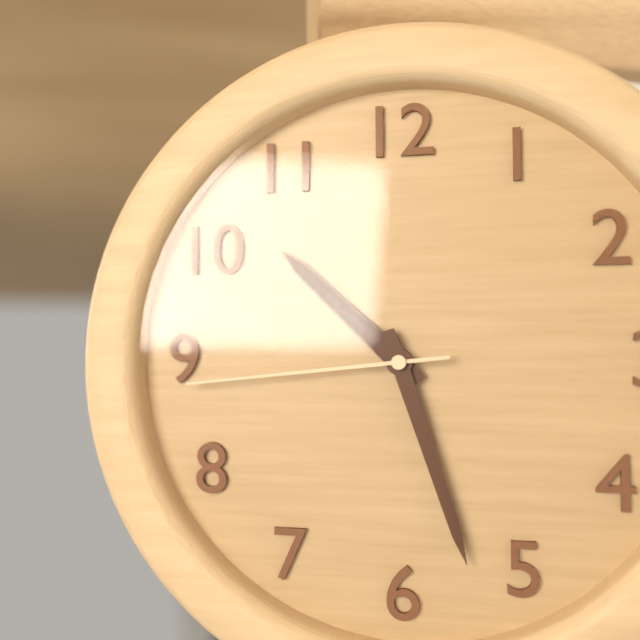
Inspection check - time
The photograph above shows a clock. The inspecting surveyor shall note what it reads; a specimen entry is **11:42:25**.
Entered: **10:27:44**
